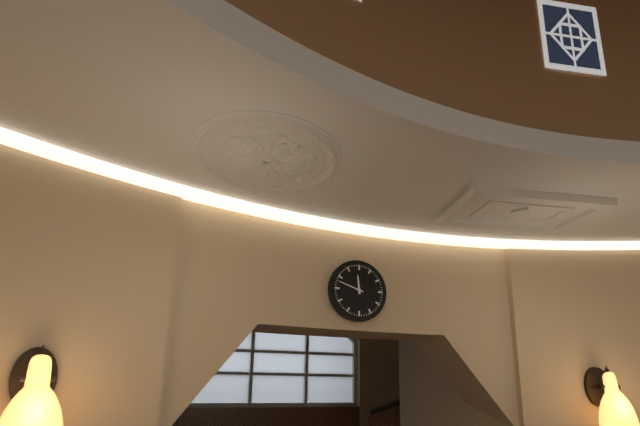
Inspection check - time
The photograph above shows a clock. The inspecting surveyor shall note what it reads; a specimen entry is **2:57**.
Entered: **11:48**
